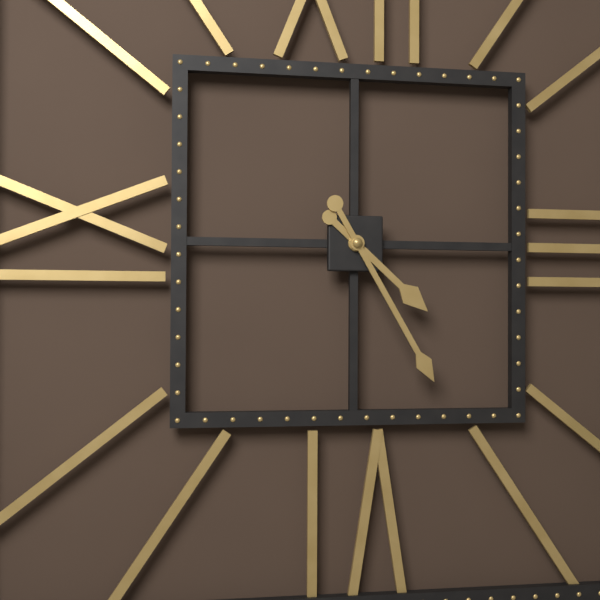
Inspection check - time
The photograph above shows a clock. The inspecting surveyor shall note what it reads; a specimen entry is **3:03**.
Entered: **4:25**
